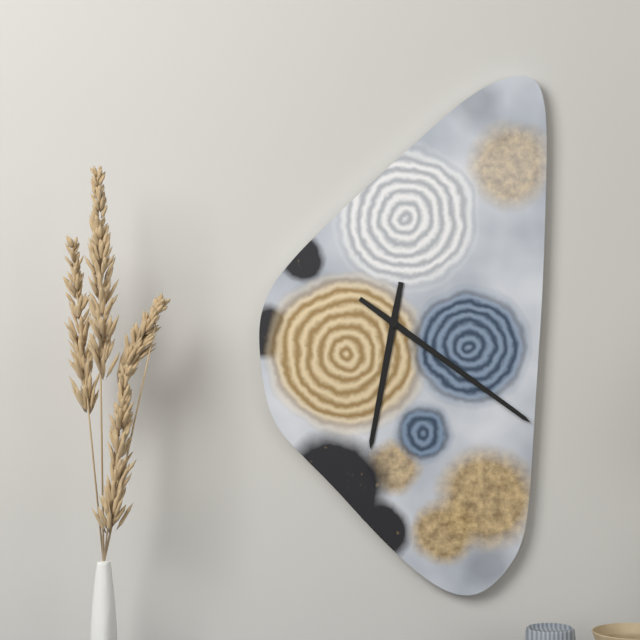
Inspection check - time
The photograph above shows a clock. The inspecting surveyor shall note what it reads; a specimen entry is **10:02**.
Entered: **6:21**
